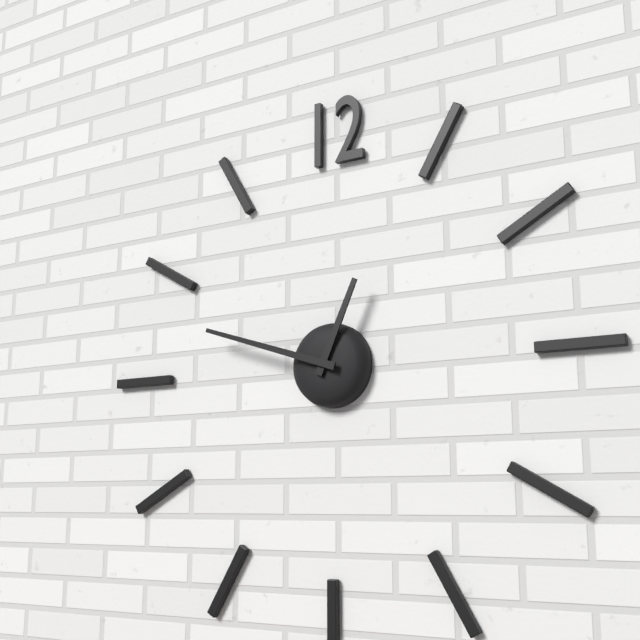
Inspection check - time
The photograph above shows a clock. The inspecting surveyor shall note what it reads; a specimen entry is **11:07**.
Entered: **12:48**
